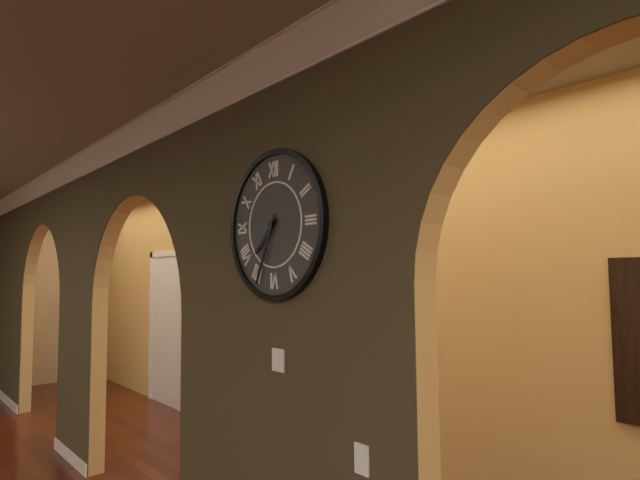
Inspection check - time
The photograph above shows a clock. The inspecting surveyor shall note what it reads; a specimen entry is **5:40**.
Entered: **7:34**
